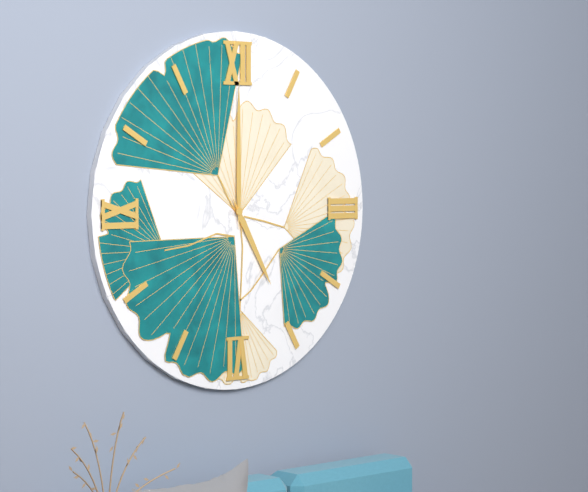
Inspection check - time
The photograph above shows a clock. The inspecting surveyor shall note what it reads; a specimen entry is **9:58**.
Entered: **5:00**
